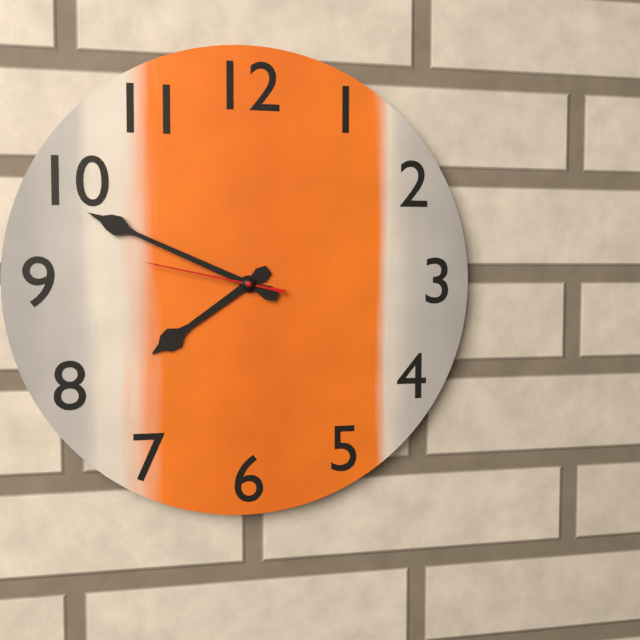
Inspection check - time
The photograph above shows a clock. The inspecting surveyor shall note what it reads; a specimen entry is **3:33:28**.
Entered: **7:49:47**
